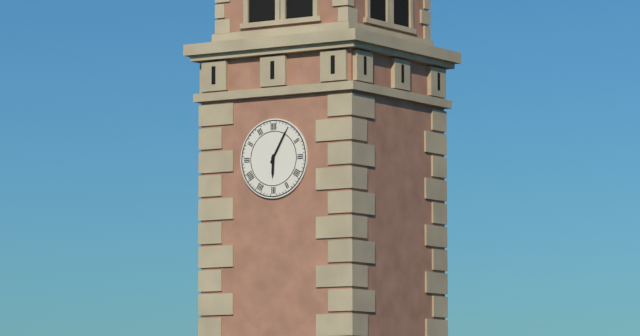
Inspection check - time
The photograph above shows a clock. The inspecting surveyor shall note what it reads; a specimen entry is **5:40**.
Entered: **6:05**
